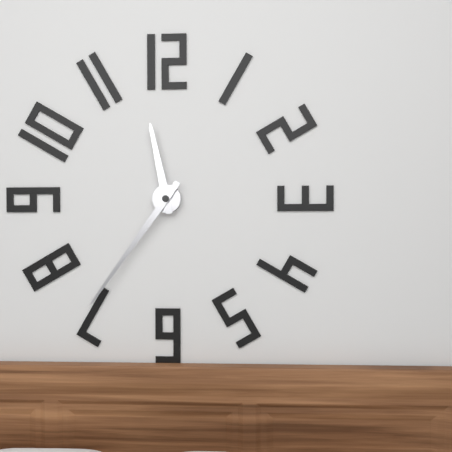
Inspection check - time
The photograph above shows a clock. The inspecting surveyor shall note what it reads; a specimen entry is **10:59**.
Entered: **11:36**
